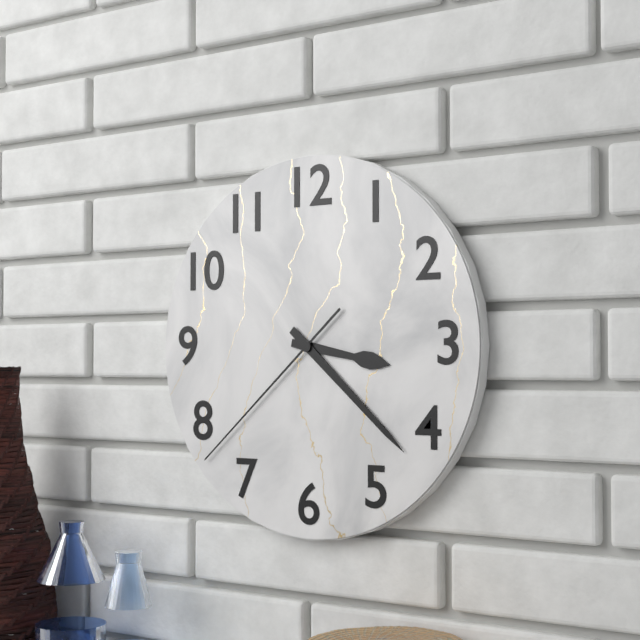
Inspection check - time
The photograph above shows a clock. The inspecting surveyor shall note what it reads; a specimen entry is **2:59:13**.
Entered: **3:22:38**
